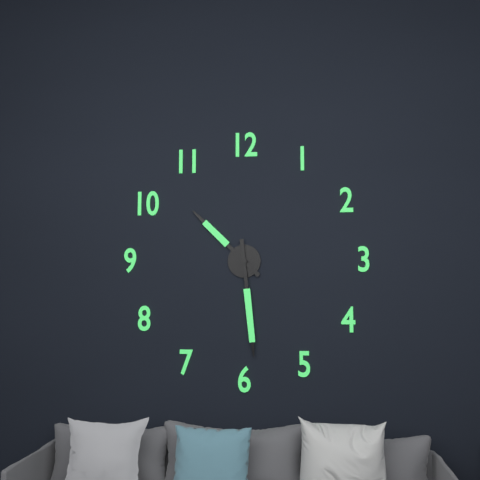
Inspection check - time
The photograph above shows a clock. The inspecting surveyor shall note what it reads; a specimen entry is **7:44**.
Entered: **10:29**
